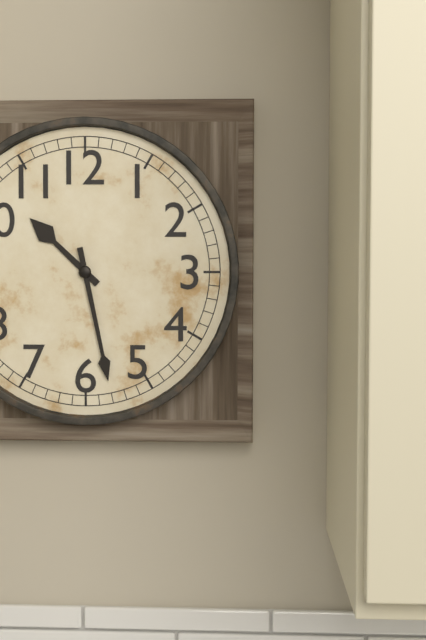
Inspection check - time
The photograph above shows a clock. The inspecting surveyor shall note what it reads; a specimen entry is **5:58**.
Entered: **10:28**
